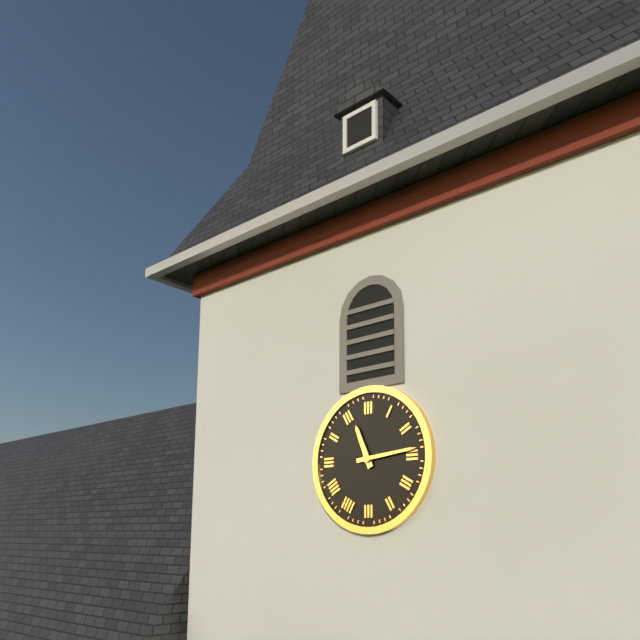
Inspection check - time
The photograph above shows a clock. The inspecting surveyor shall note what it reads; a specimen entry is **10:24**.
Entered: **11:14**
